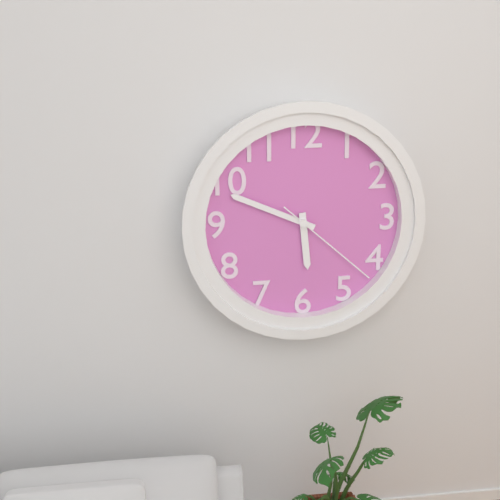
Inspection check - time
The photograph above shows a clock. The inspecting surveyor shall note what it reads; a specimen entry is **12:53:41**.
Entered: **5:49:22**
